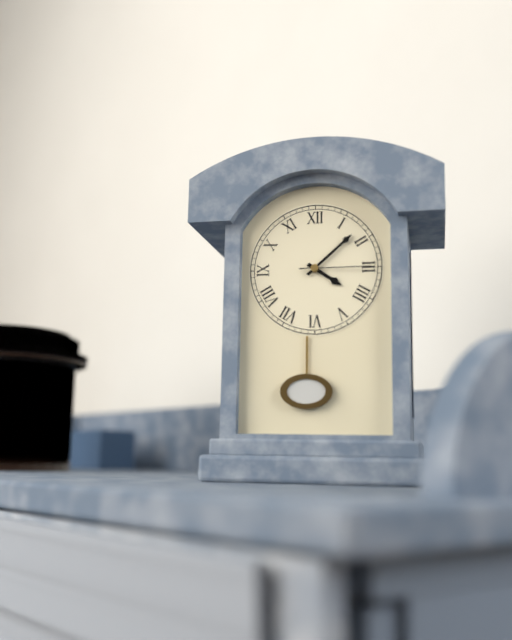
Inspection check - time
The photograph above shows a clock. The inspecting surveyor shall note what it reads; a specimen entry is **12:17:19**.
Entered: **4:08:15**
